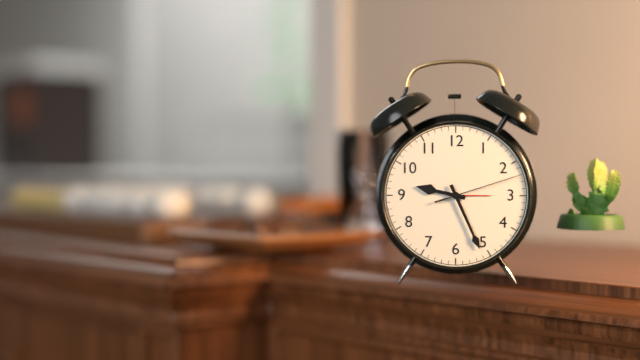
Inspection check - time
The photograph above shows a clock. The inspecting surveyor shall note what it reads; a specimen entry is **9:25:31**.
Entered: **9:26:12**
